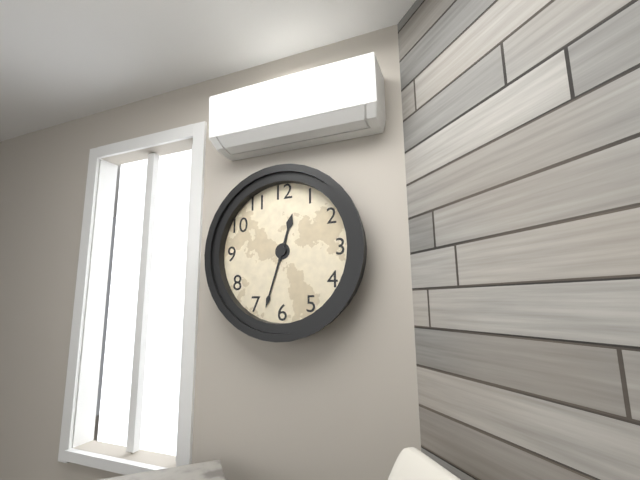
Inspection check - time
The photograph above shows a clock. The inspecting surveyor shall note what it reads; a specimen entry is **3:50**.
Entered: **12:33**
